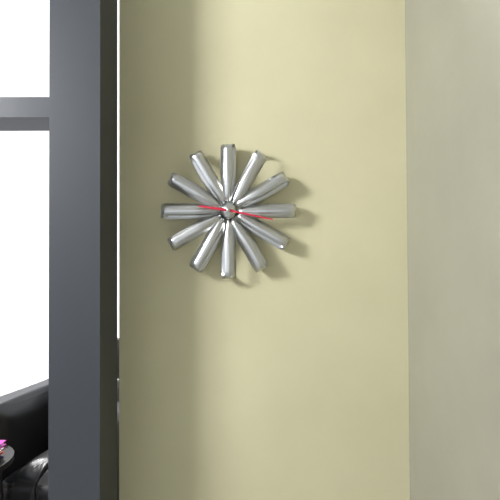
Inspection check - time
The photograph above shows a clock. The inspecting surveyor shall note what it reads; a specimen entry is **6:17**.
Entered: **9:17**
